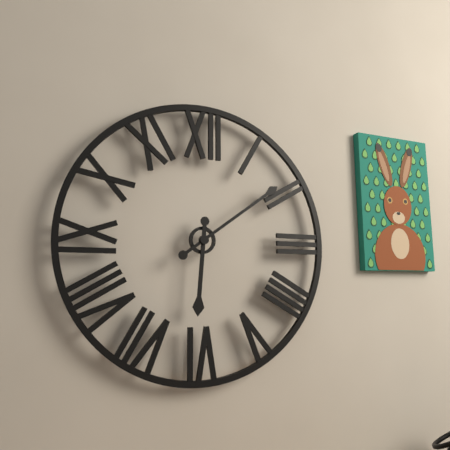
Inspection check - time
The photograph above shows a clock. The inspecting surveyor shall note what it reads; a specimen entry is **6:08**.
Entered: **6:09**
